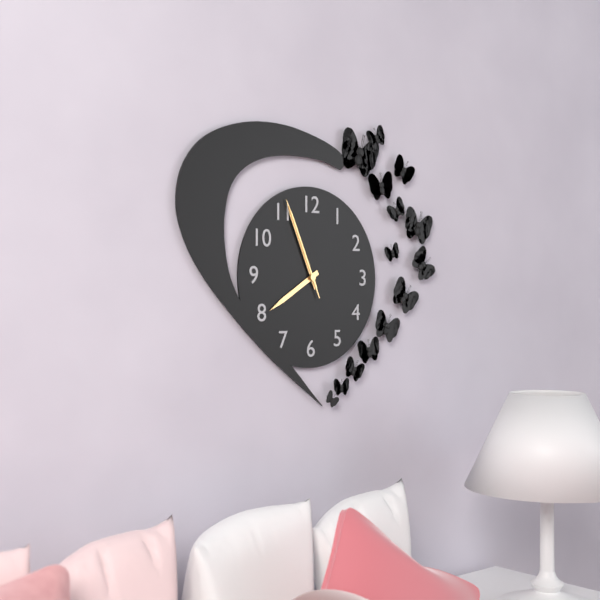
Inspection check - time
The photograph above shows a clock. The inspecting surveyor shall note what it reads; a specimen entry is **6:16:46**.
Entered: **7:56:56**
